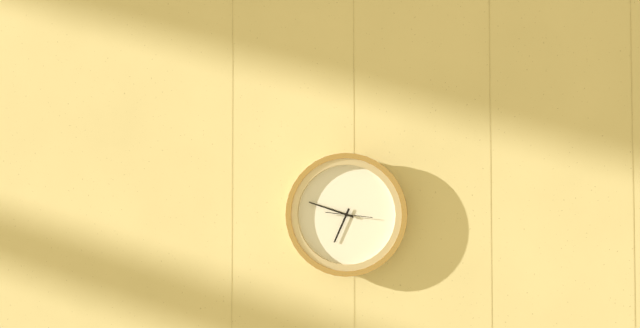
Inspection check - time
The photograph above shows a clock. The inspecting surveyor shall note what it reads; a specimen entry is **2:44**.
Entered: **6:48**
